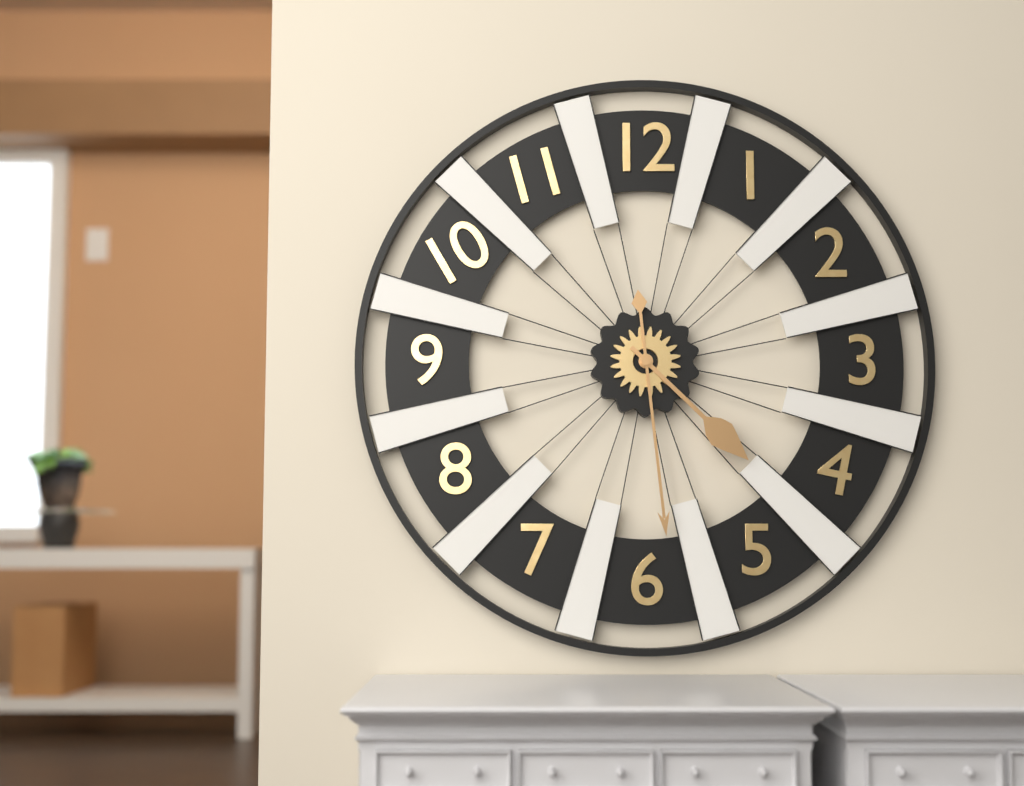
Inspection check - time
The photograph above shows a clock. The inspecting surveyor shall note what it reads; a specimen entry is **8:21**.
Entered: **4:29**
